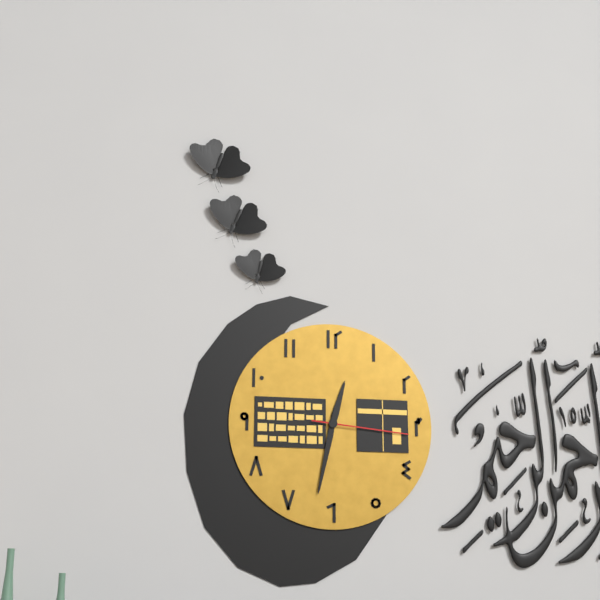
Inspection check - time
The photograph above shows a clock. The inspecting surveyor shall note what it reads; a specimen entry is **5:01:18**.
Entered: **12:32:16**
